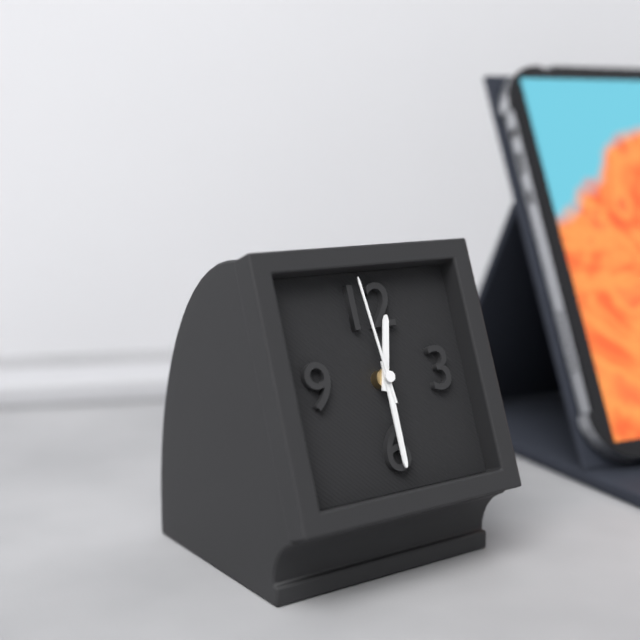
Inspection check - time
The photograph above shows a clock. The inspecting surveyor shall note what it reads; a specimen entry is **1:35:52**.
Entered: **12:30:59**
